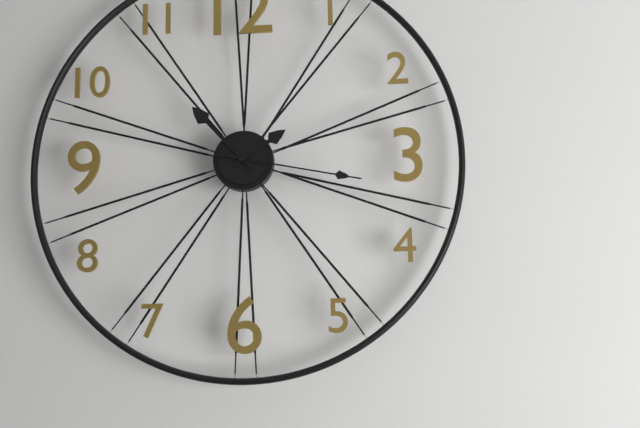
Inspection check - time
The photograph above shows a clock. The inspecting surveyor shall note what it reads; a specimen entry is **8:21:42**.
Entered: **1:53:17**
